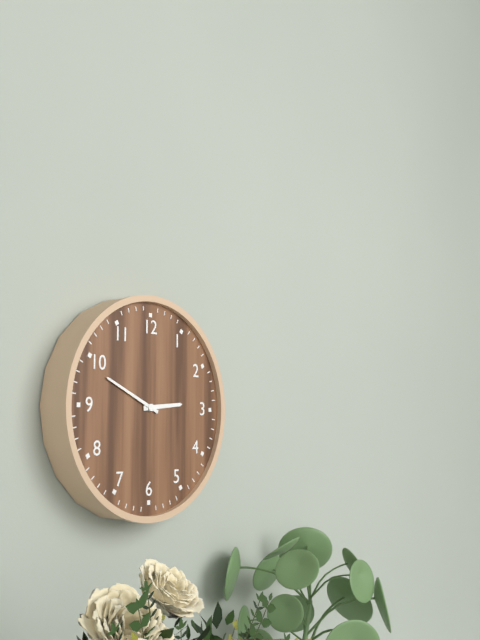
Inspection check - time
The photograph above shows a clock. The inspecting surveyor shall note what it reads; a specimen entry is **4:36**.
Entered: **2:49**
